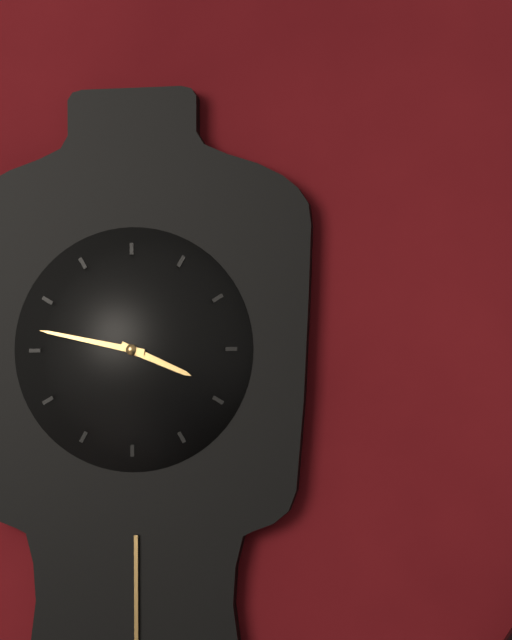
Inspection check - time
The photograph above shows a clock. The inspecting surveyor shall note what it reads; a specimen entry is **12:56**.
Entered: **3:47**
